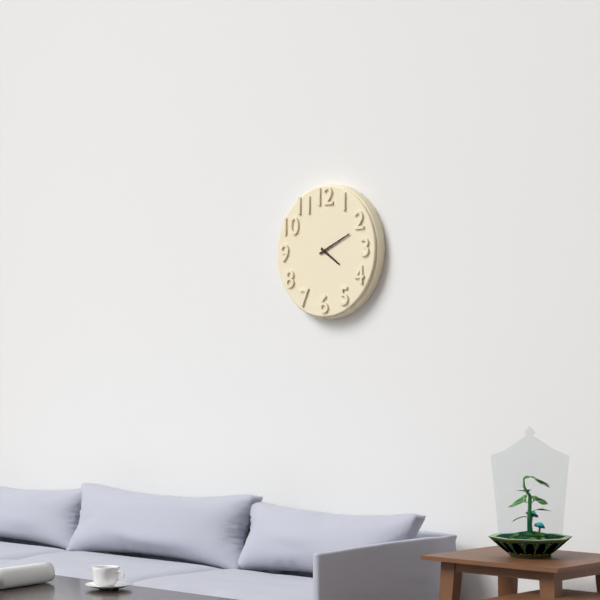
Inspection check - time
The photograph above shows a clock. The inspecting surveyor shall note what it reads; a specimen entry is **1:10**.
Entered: **4:11**
